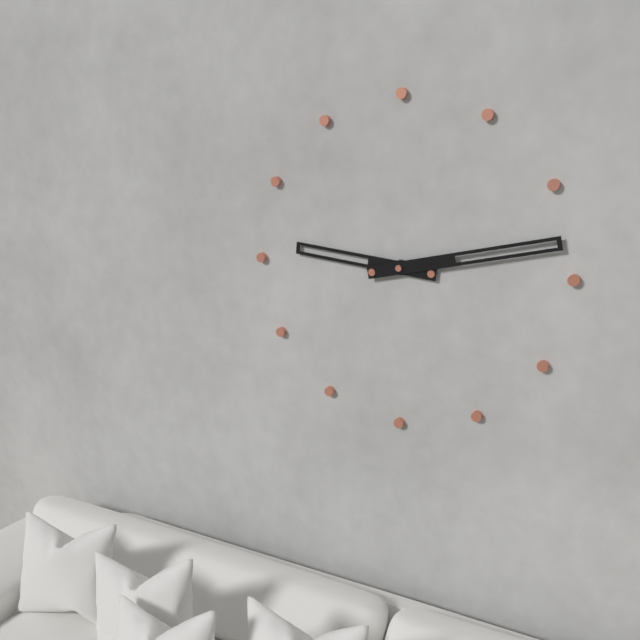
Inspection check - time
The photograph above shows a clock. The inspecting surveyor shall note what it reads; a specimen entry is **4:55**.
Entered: **9:13**
